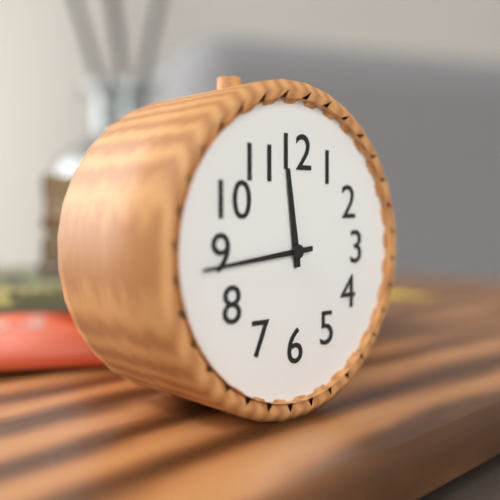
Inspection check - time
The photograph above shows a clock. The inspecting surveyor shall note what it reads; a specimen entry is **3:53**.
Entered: **11:44**
